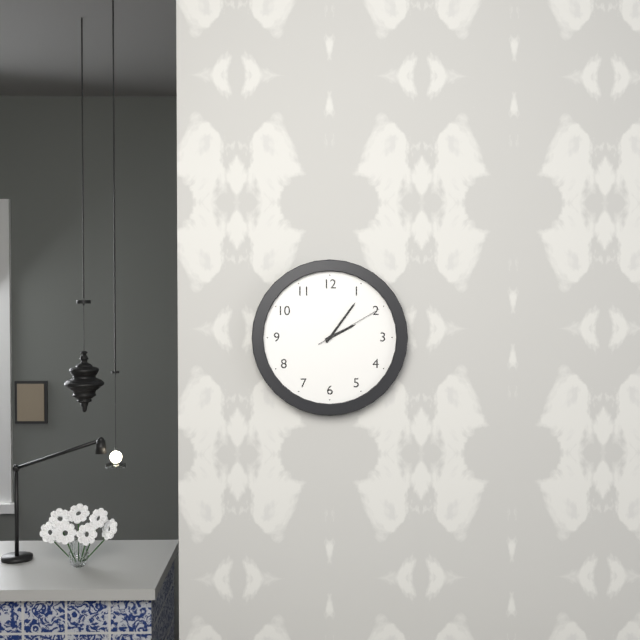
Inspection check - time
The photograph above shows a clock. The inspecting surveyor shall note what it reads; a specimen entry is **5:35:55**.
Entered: **2:06:10**
